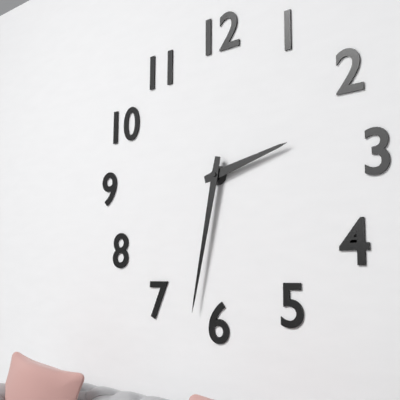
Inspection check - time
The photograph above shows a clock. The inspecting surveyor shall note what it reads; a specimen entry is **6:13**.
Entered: **2:32**
